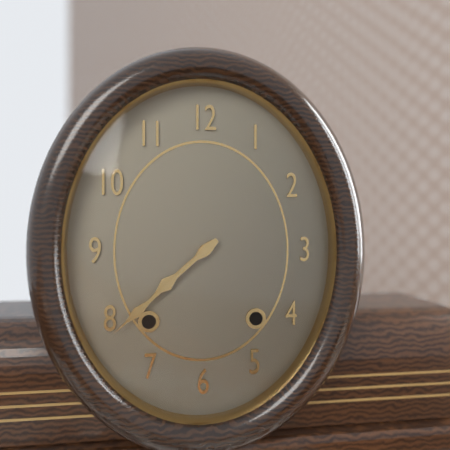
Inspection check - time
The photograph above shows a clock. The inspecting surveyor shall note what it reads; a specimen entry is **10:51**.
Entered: **7:38**
